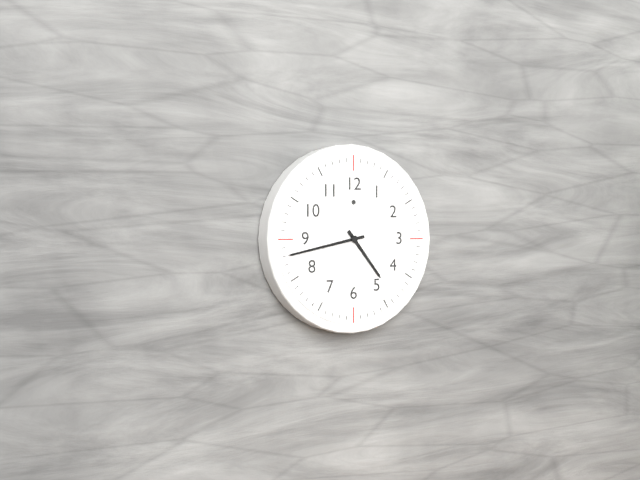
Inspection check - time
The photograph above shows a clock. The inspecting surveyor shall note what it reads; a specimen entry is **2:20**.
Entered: **4:43**
